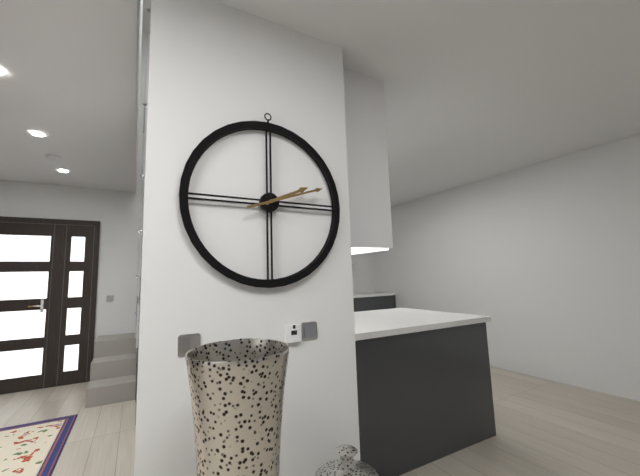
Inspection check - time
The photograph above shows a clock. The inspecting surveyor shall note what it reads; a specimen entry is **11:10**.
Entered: **2:12**
